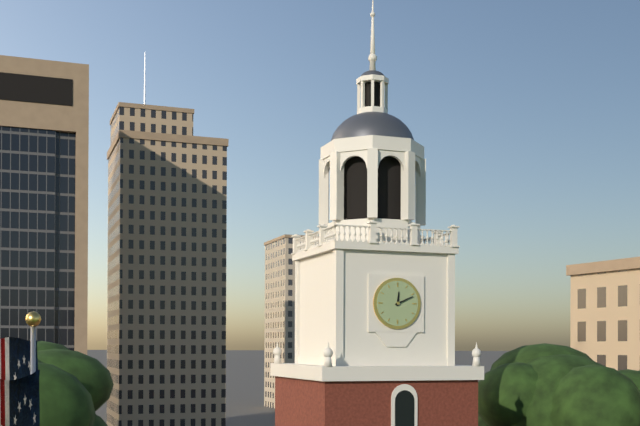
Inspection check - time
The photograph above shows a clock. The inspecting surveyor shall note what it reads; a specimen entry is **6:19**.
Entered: **12:11**
